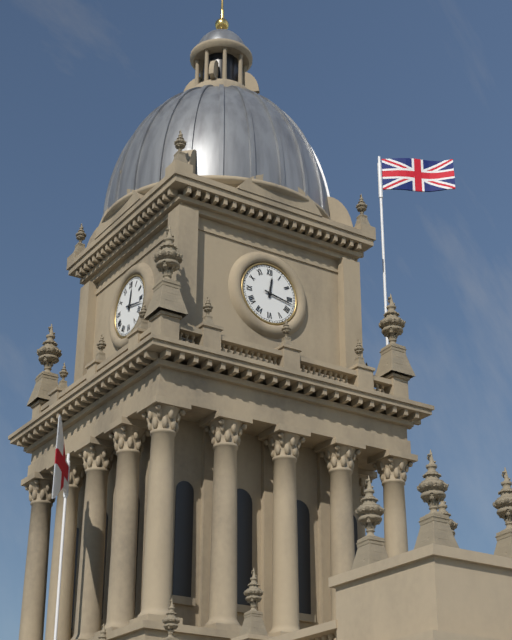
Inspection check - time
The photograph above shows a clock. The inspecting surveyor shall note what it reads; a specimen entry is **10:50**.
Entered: **12:17**
